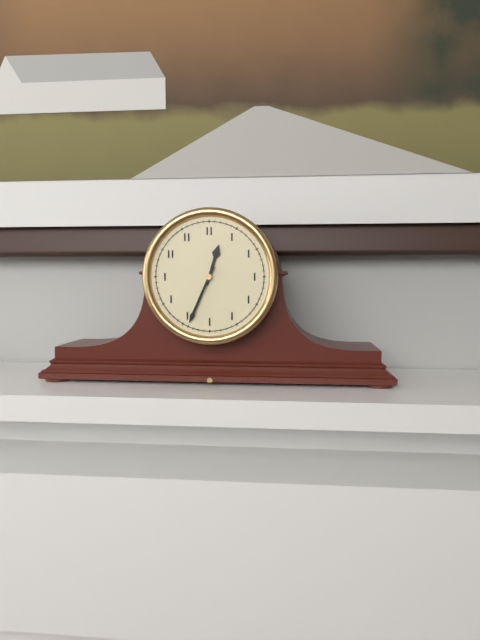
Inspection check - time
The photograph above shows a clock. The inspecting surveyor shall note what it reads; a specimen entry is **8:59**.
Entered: **12:34**
